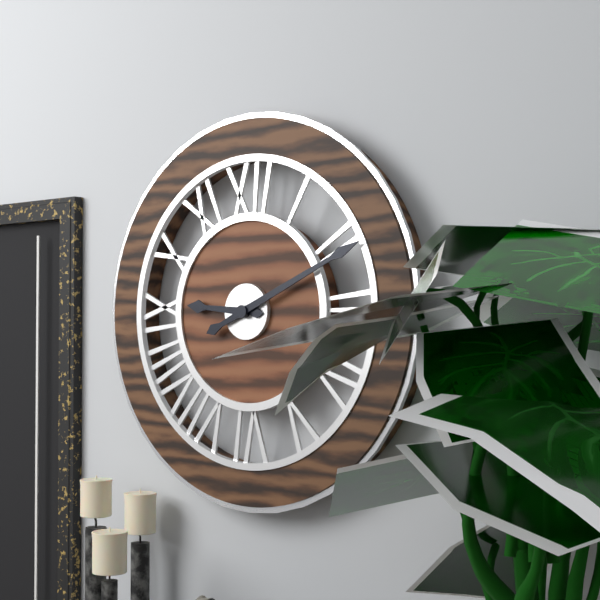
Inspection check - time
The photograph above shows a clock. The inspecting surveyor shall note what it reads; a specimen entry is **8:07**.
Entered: **9:11**
